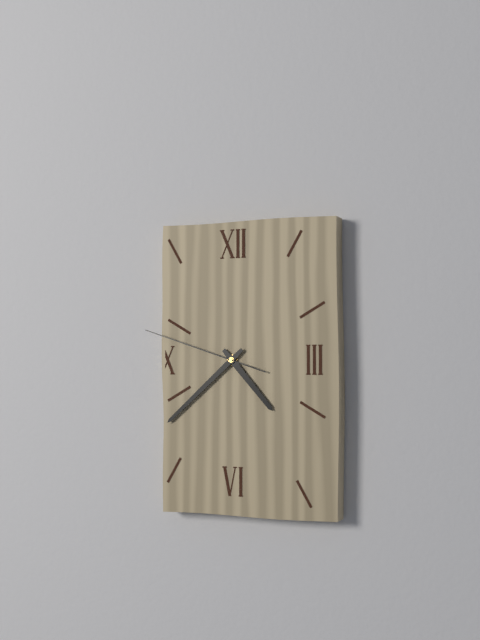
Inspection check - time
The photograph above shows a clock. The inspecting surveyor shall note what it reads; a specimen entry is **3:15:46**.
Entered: **4:38:48**
